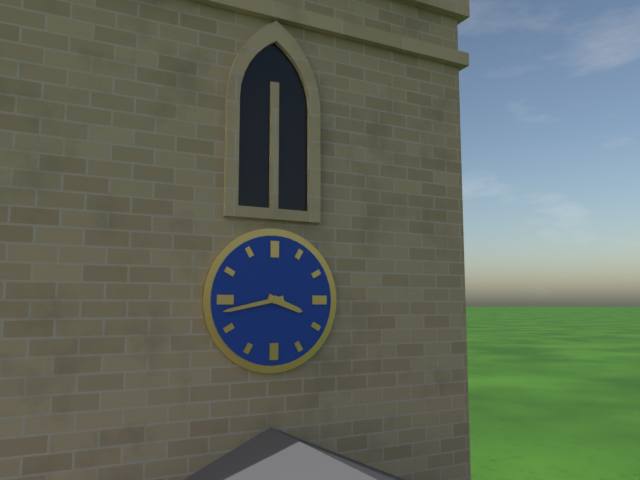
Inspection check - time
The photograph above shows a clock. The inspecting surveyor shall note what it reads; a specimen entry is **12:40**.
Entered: **3:43**
